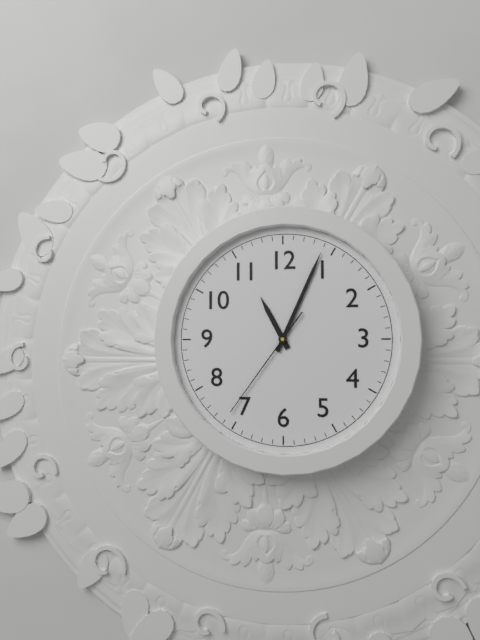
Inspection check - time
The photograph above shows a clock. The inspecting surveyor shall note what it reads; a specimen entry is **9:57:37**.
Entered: **11:04:36**
